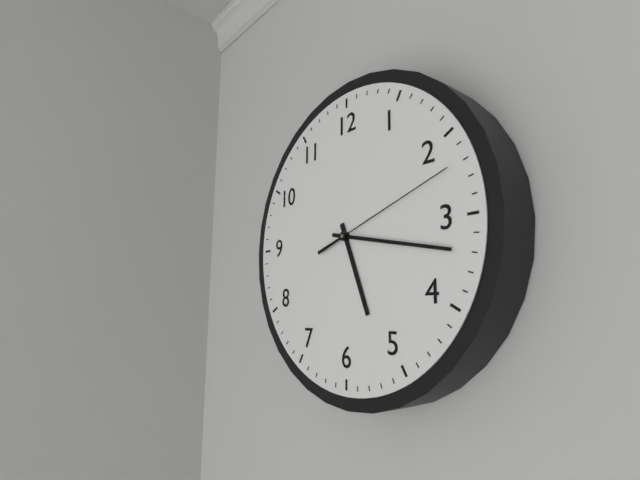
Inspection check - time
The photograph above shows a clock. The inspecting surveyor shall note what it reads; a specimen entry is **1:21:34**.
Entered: **5:17:12**
